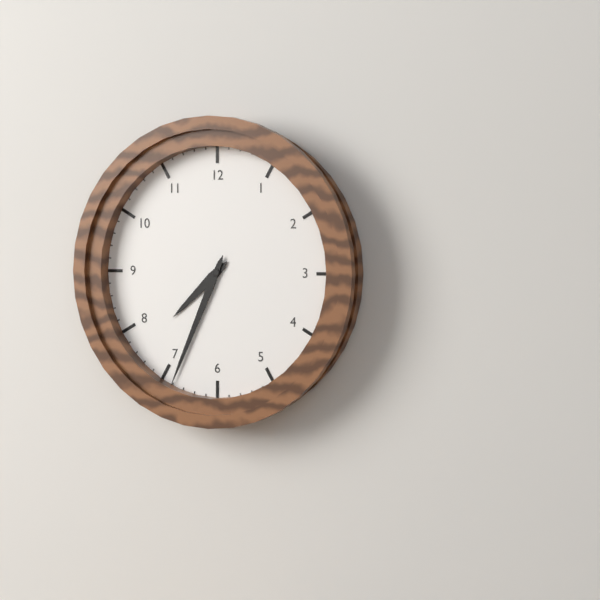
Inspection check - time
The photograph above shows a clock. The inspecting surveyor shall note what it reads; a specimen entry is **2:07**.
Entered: **7:34**
